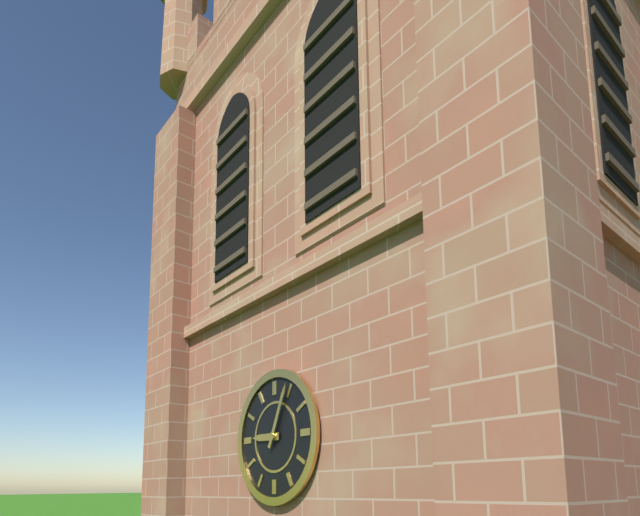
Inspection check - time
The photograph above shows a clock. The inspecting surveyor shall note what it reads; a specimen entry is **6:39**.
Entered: **9:04**
